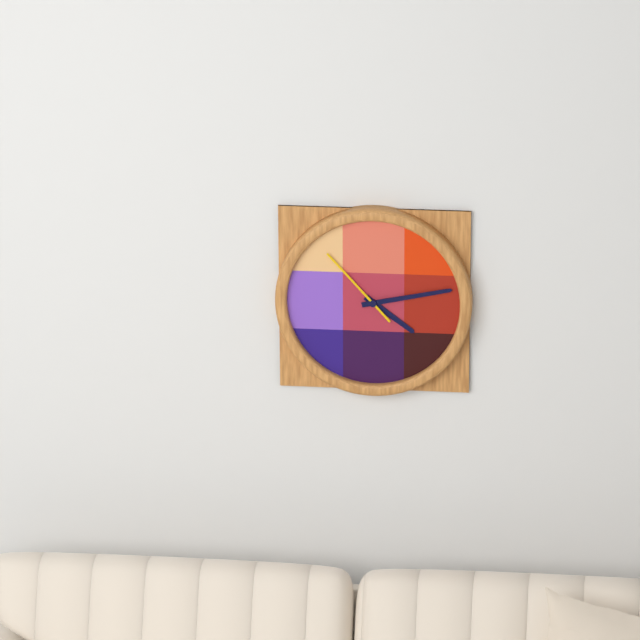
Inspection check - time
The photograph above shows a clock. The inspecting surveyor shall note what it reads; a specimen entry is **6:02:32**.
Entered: **4:13:53**
